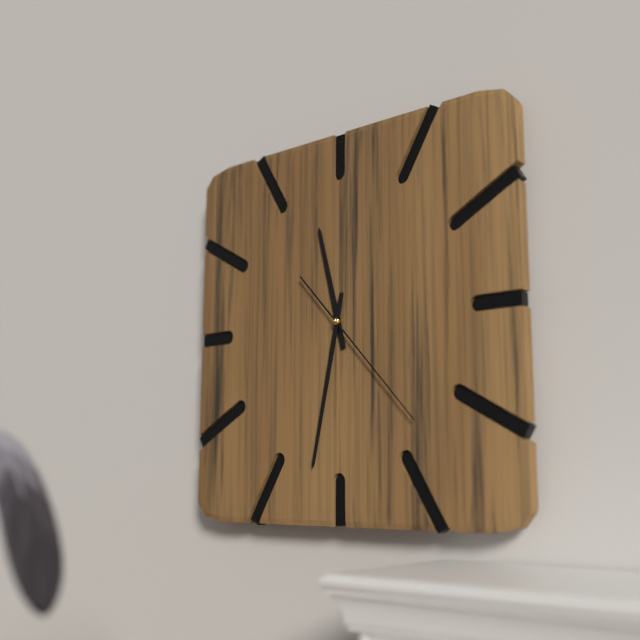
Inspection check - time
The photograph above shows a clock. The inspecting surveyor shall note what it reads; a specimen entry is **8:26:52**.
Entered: **11:32:23**
